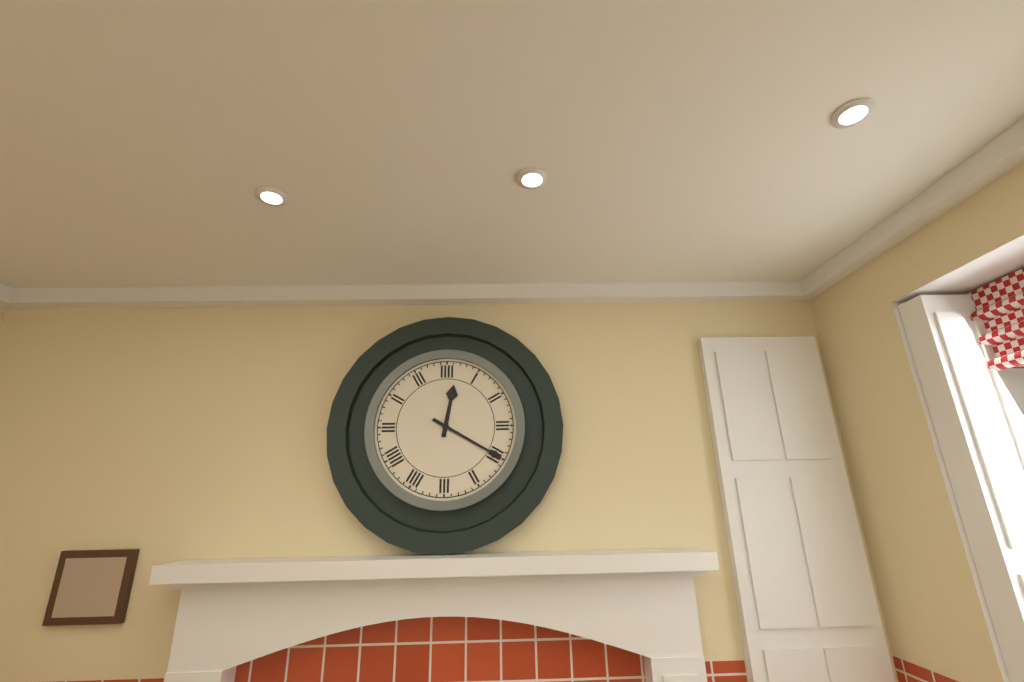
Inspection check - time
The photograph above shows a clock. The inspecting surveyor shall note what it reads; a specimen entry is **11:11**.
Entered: **12:20**
